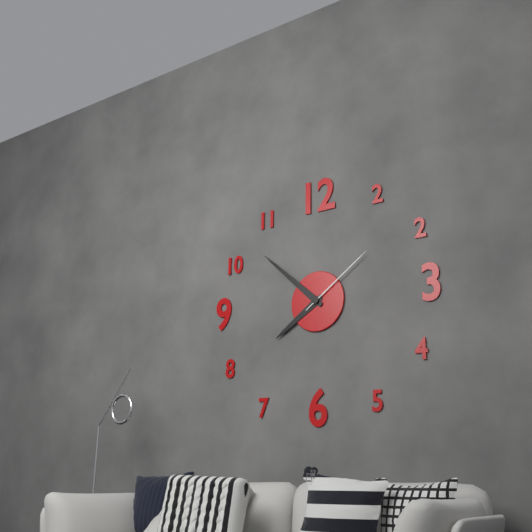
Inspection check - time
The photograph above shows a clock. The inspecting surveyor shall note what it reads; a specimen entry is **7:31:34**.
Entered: **7:52:09**
